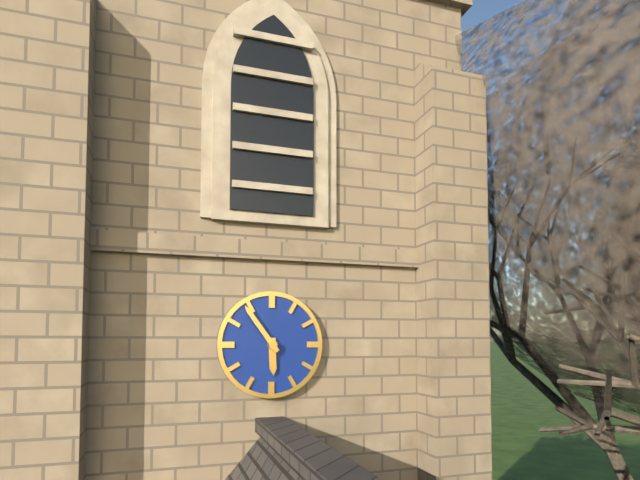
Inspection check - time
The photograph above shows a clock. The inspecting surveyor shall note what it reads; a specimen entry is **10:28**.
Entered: **5:54**
